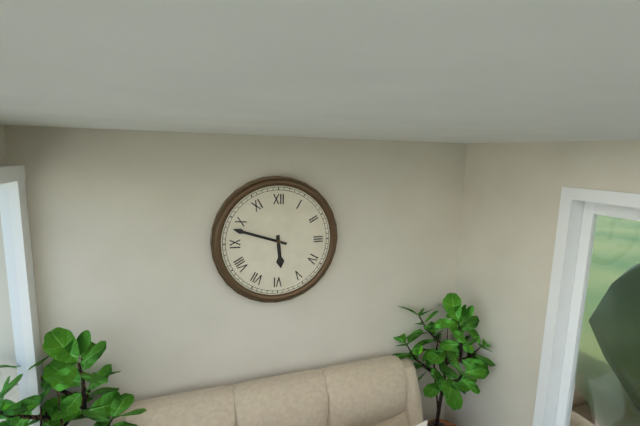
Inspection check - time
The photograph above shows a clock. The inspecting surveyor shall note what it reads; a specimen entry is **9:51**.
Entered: **5:48**
